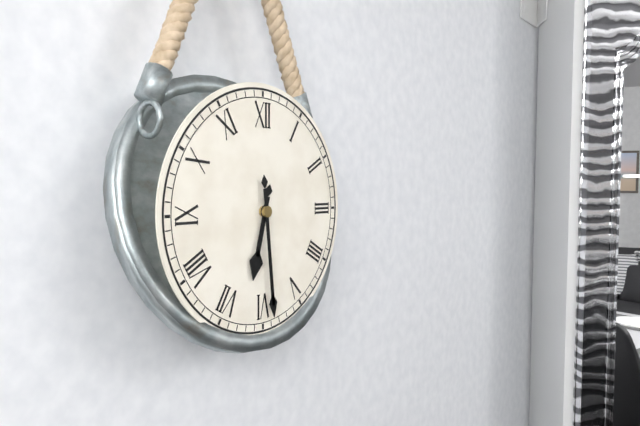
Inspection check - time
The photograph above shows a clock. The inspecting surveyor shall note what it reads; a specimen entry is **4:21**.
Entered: **6:29**
